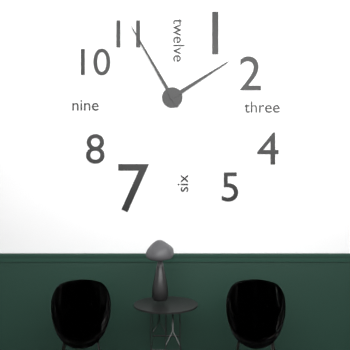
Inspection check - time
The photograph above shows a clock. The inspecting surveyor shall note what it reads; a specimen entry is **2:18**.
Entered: **1:55**
